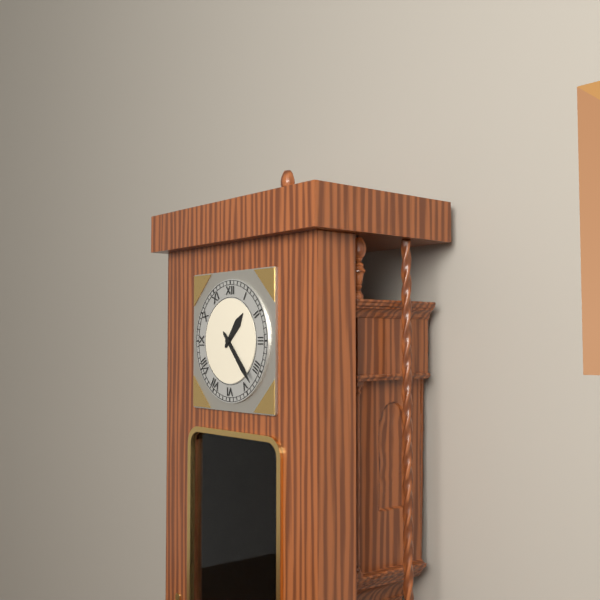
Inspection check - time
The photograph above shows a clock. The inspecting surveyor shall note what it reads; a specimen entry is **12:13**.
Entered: **1:23**
